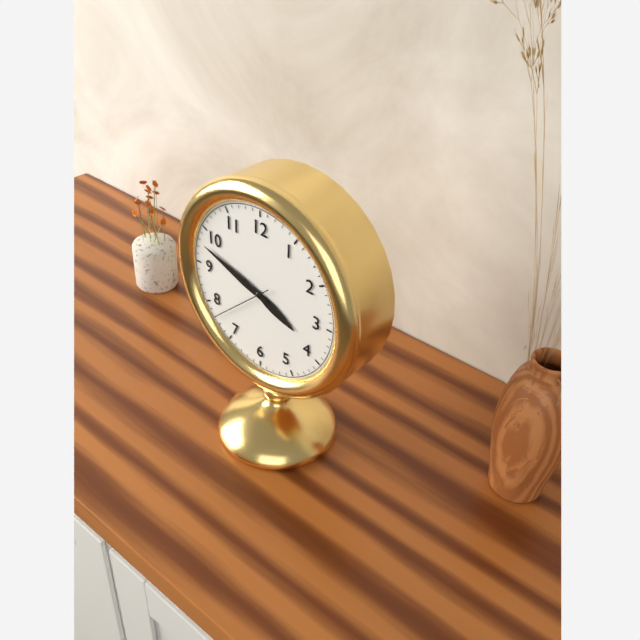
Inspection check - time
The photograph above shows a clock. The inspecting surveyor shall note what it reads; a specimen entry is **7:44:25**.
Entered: **3:48:38**
